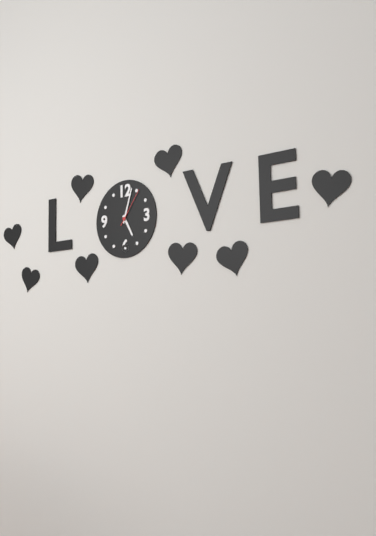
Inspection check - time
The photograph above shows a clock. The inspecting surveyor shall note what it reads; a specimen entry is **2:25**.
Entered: **5:03**
